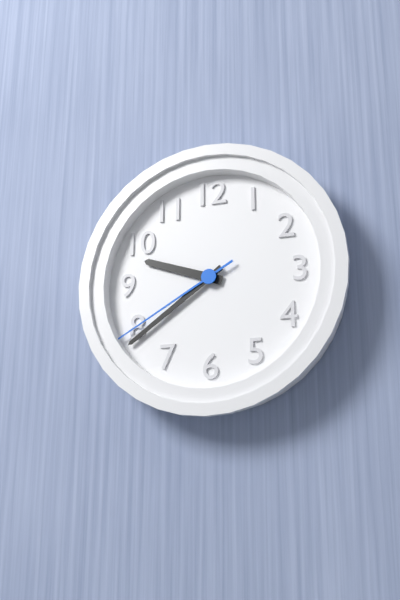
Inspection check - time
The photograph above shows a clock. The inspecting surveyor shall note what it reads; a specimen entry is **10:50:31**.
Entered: **9:39:40**
